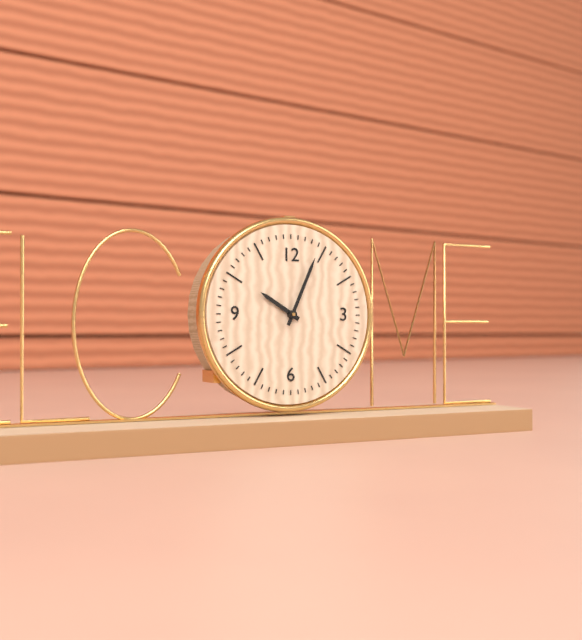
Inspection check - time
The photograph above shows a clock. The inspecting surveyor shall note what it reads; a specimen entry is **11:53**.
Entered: **10:04**
